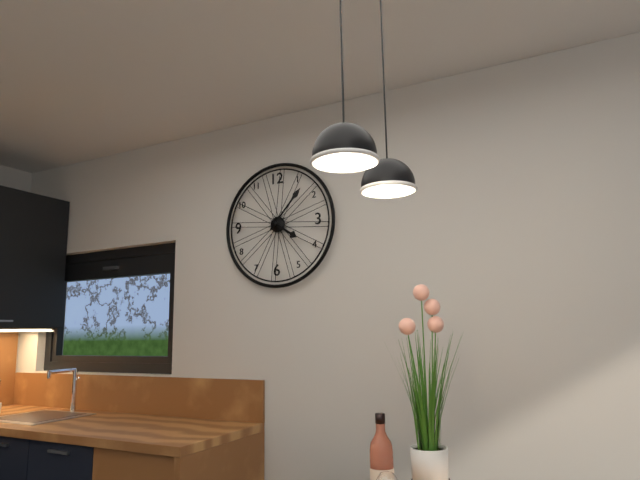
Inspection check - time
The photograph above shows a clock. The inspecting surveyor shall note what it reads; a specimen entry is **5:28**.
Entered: **4:07**
